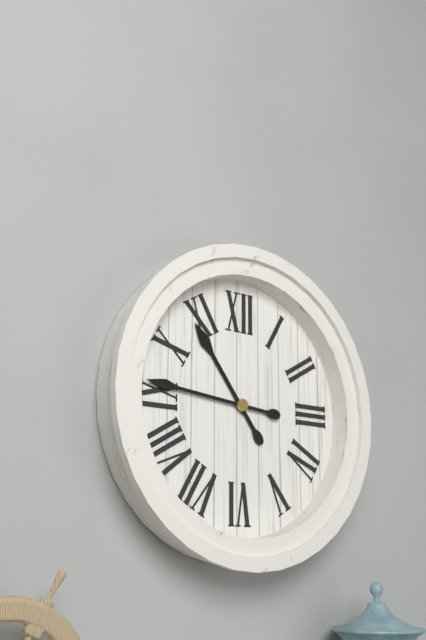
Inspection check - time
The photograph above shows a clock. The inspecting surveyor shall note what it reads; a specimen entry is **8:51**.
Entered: **10:46**
